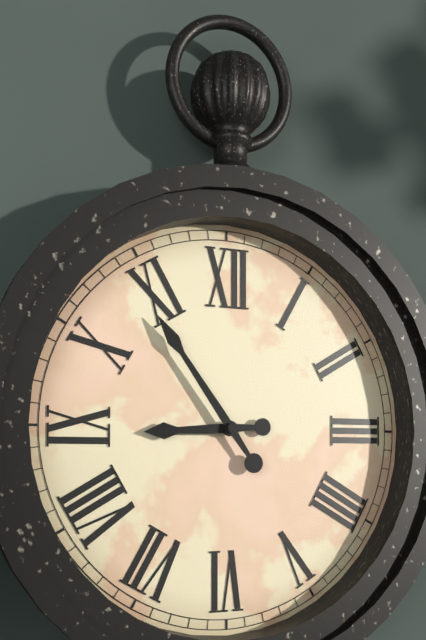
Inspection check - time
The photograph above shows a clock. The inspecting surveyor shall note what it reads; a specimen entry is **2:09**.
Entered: **8:54**
